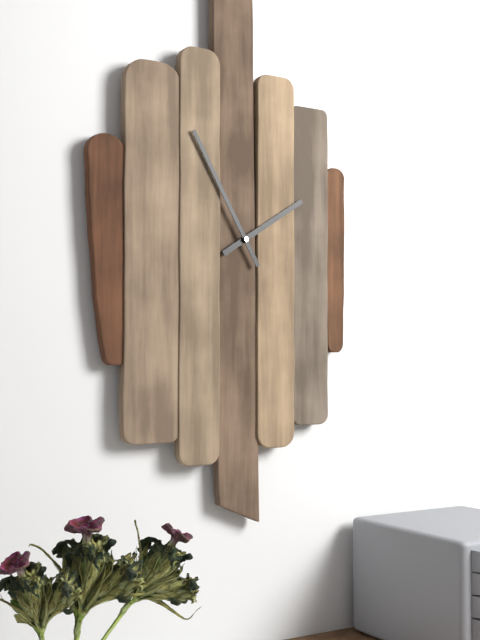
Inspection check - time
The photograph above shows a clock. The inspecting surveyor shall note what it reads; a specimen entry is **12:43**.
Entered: **1:55**
